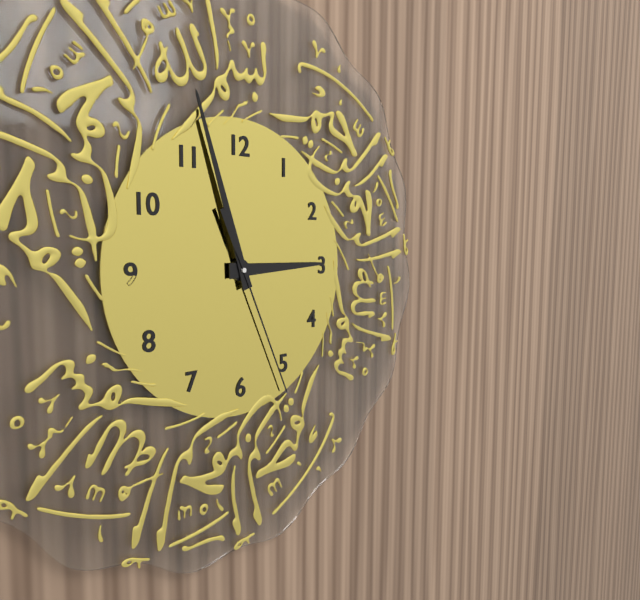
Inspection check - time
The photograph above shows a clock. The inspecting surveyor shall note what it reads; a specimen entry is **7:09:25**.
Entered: **2:57:26**
